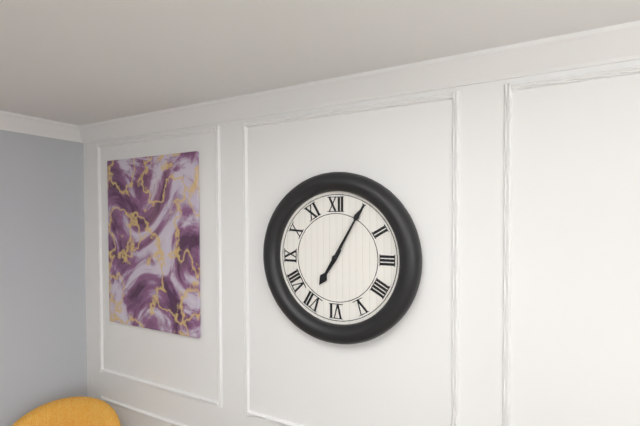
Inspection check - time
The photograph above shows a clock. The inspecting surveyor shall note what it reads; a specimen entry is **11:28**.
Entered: **7:05**
